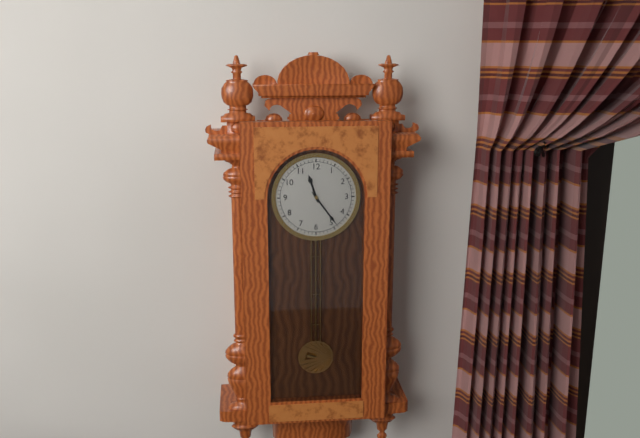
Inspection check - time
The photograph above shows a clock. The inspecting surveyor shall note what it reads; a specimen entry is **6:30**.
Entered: **11:24**
